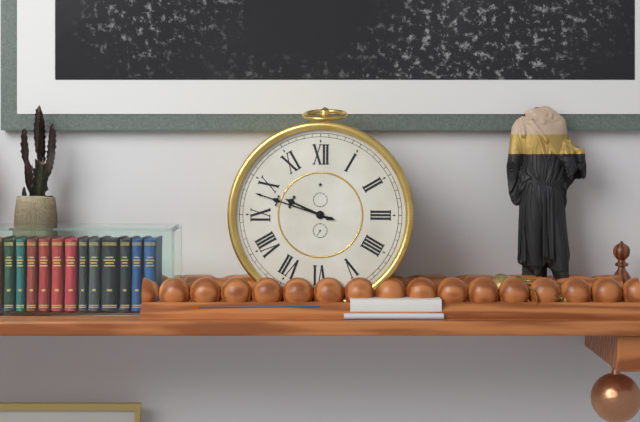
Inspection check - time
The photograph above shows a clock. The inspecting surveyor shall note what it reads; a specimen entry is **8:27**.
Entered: **9:48**
